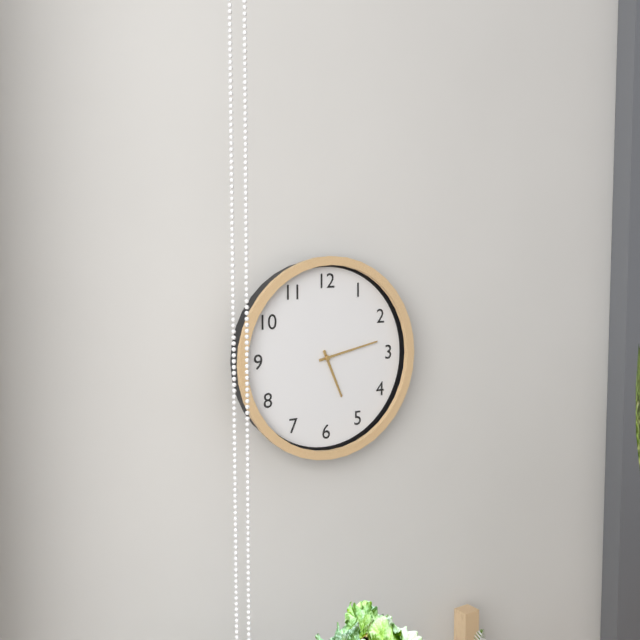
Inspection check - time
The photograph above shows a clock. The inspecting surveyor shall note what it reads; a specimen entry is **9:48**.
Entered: **5:13**
